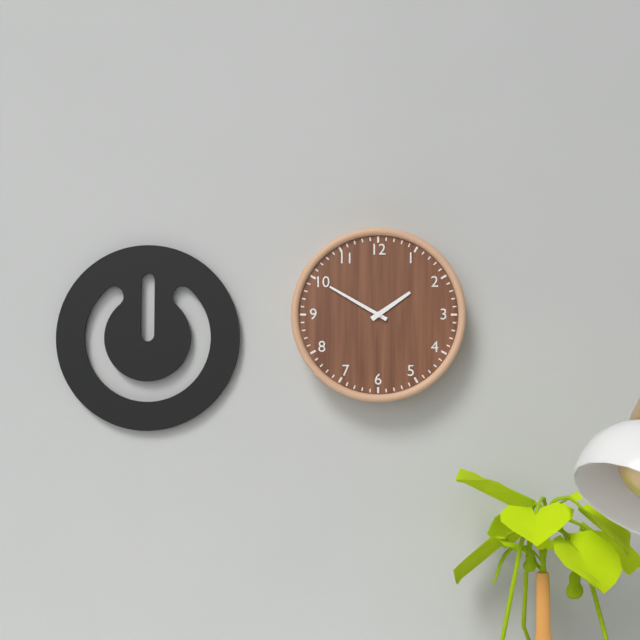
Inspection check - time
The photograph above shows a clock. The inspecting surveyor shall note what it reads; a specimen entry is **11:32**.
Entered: **1:50**
